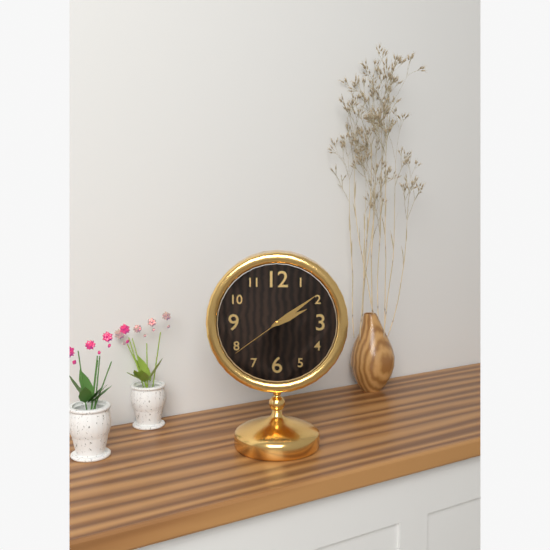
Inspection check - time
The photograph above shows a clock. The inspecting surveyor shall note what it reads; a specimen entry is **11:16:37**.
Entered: **2:09:39**
